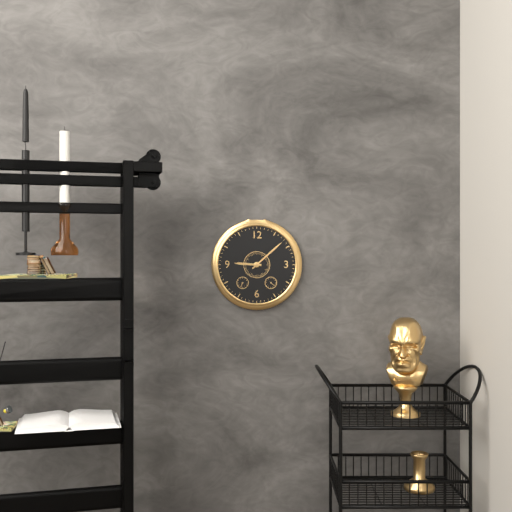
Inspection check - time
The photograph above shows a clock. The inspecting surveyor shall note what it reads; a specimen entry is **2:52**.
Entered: **9:08**
